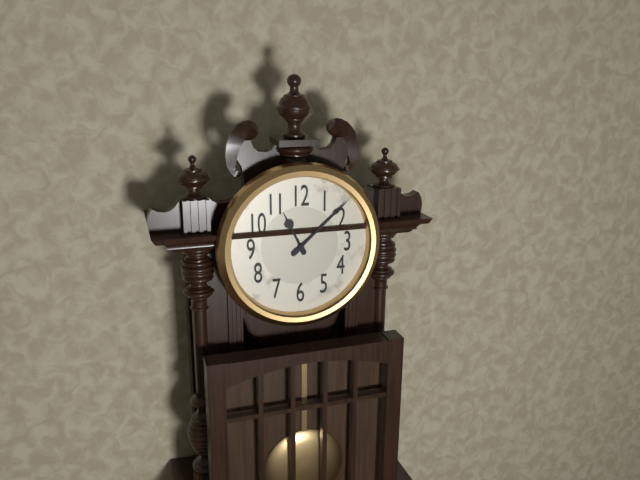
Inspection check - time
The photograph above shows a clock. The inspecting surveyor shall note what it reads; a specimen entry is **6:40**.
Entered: **11:08**
